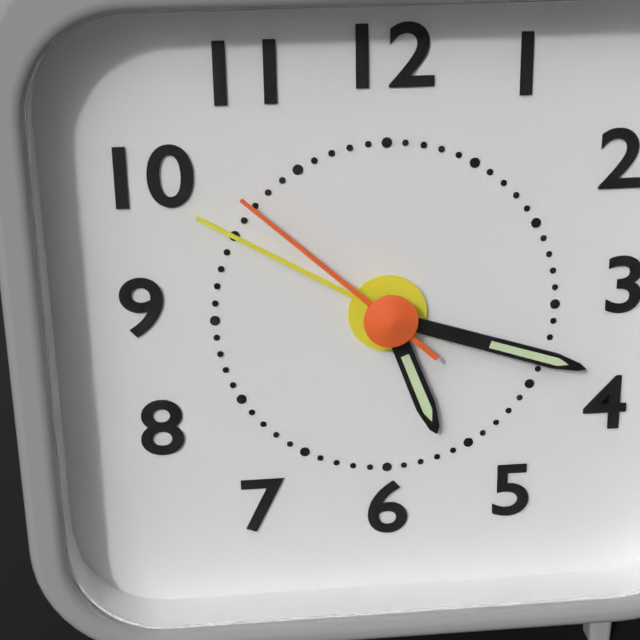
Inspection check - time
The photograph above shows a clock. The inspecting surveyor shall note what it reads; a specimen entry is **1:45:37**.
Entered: **5:18:52**
